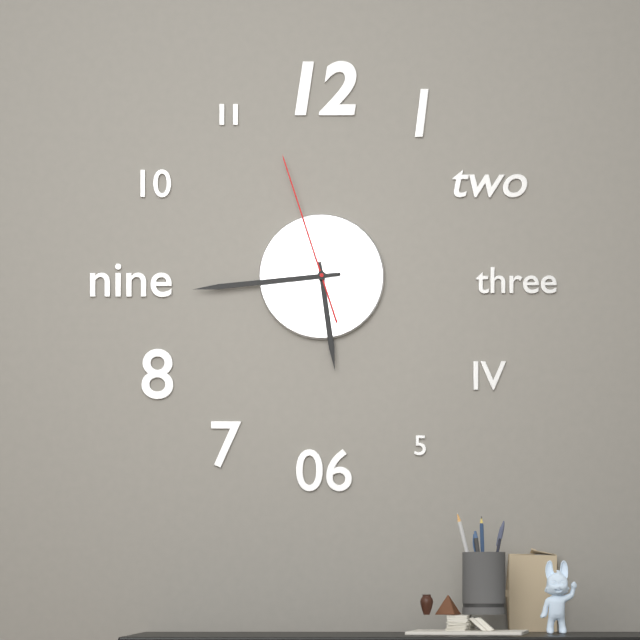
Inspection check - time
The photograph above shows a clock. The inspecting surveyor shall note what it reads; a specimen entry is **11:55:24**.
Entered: **5:44:57**
